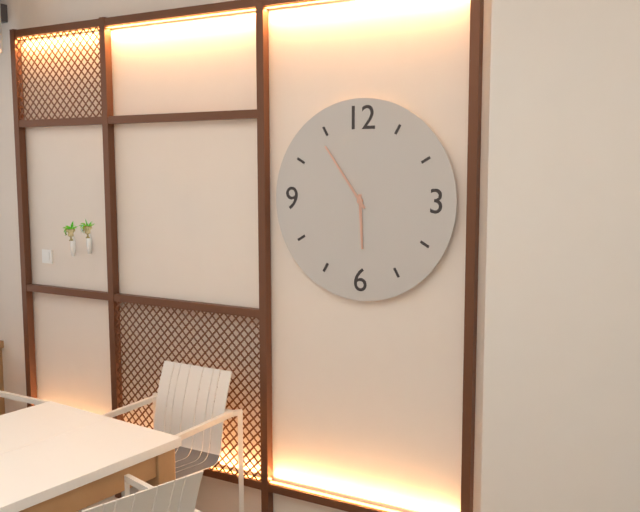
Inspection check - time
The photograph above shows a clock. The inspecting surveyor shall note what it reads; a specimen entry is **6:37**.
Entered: **5:54**
